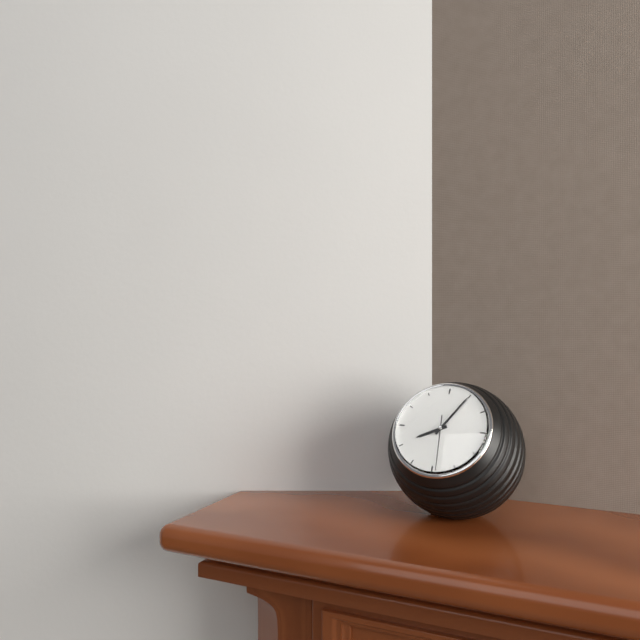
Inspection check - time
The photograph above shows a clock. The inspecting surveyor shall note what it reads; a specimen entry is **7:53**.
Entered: **8:05**
